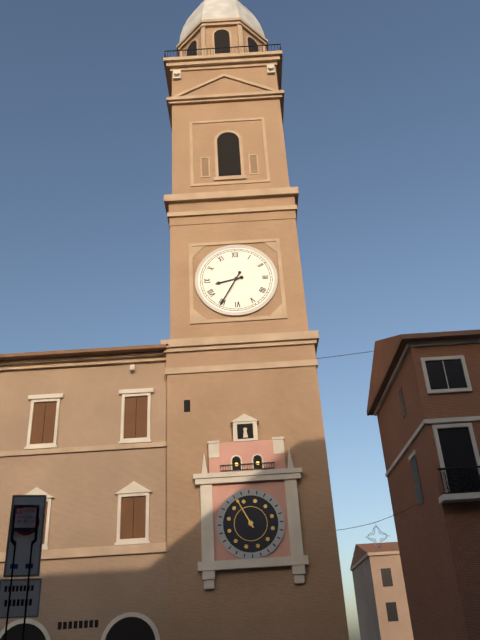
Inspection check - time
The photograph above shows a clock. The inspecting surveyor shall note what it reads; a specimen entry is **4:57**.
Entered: **8:35**
